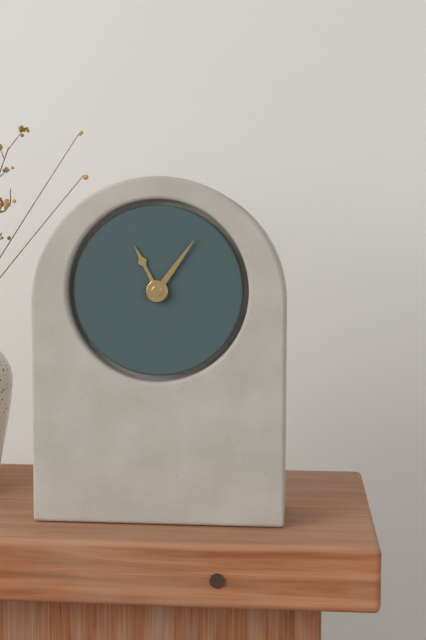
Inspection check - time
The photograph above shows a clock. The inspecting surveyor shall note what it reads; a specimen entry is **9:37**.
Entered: **11:06**
